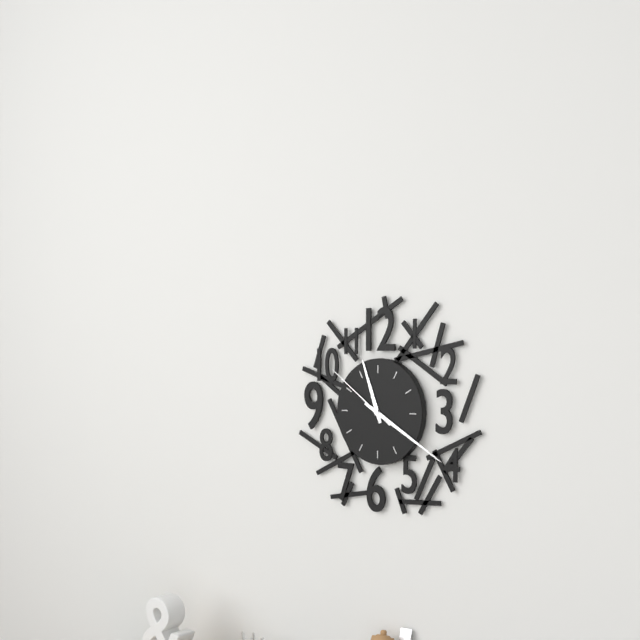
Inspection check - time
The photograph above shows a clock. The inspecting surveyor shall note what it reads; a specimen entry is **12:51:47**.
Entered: **11:20:51**
